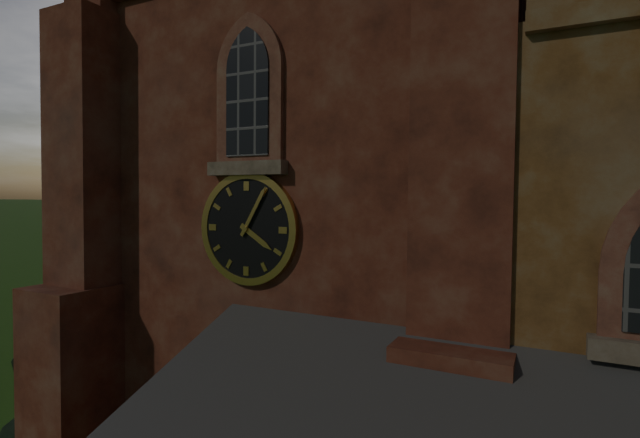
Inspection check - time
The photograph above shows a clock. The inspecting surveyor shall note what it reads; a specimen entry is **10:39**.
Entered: **4:05**
